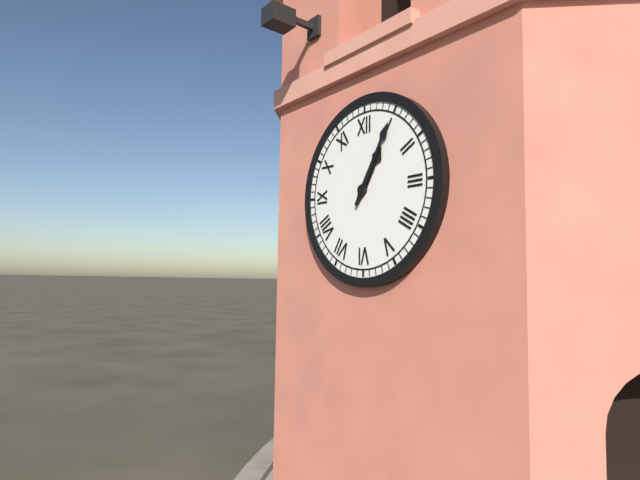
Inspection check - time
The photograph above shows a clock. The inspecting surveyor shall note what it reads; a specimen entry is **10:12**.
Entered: **1:05**
